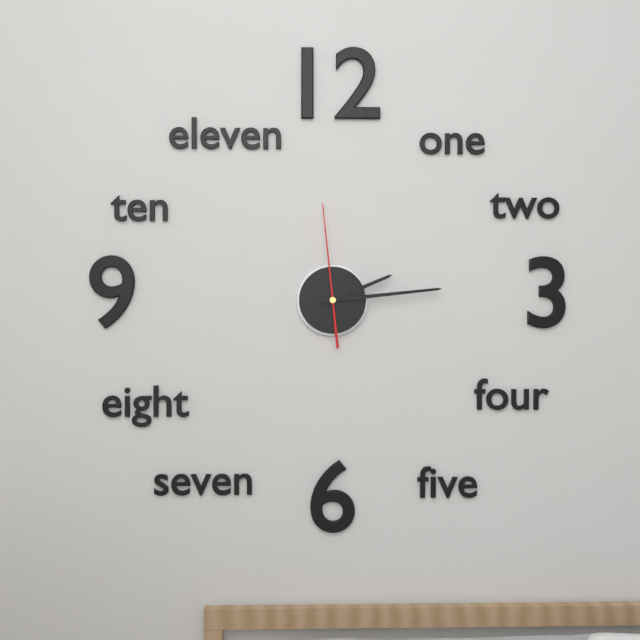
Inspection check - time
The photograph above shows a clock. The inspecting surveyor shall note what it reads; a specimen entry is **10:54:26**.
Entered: **2:14:59**
